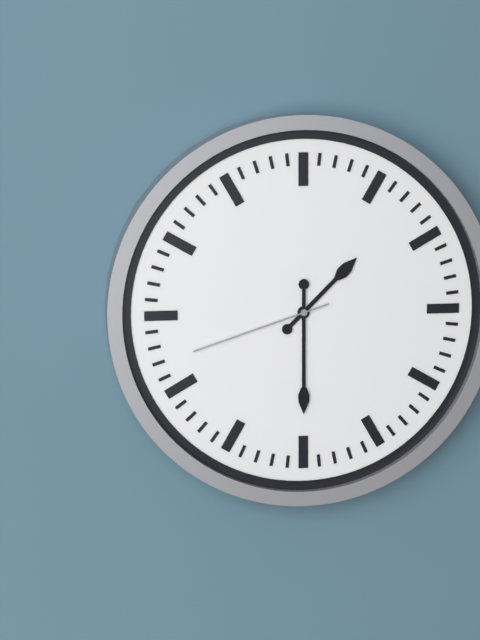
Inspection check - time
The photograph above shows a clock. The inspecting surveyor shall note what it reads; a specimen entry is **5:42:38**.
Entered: **1:30:42**
